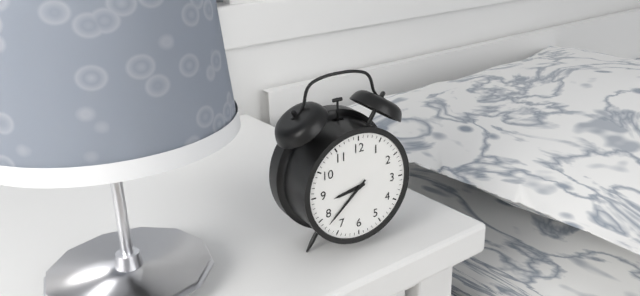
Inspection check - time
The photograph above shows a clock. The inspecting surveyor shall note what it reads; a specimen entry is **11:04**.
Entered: **8:38**
